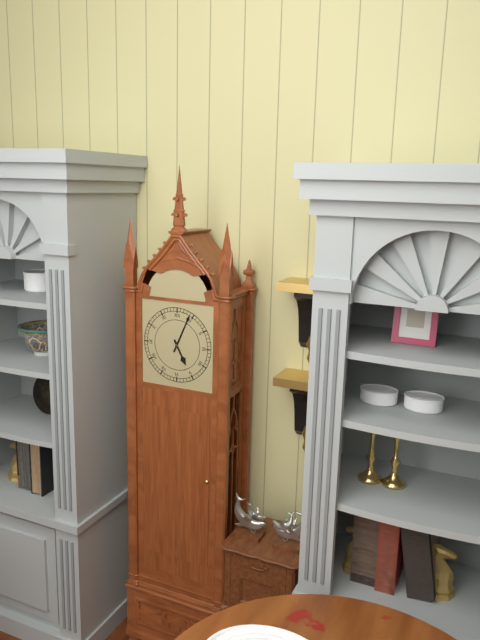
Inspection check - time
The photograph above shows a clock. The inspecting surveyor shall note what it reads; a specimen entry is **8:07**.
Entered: **5:04**
